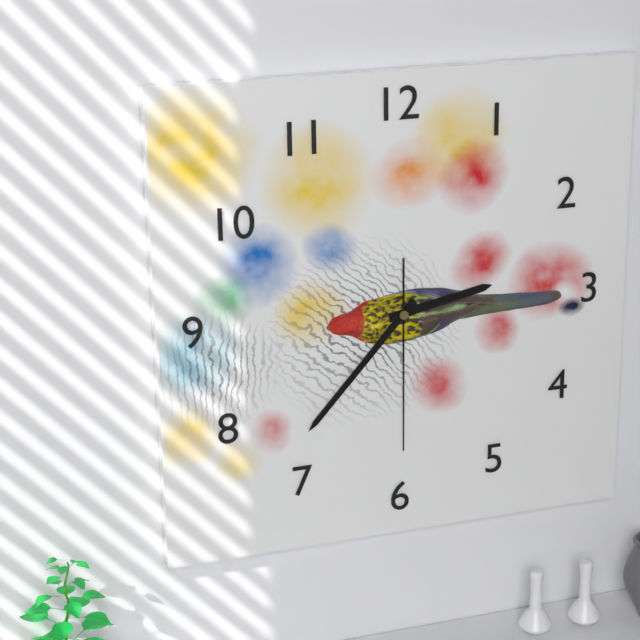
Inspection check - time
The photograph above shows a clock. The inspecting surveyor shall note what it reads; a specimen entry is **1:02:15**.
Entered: **2:37:30**
